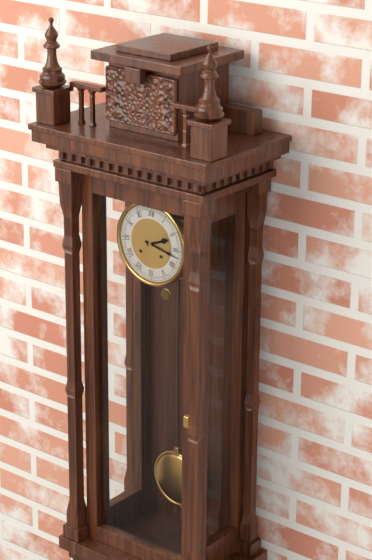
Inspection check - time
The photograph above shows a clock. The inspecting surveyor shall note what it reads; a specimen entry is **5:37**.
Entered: **2:17**
